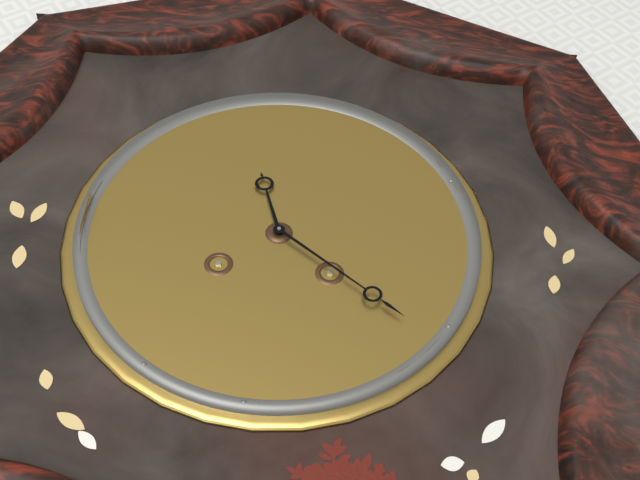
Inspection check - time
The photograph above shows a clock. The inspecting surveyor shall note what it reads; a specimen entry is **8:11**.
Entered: **11:21**
